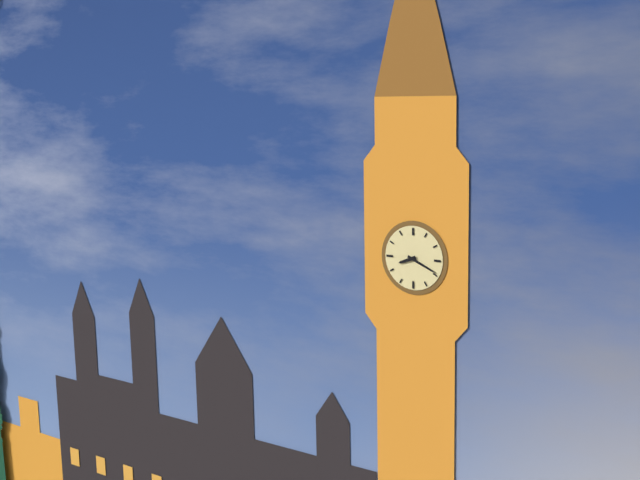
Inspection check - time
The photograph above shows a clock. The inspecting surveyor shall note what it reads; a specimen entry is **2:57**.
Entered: **8:19**
